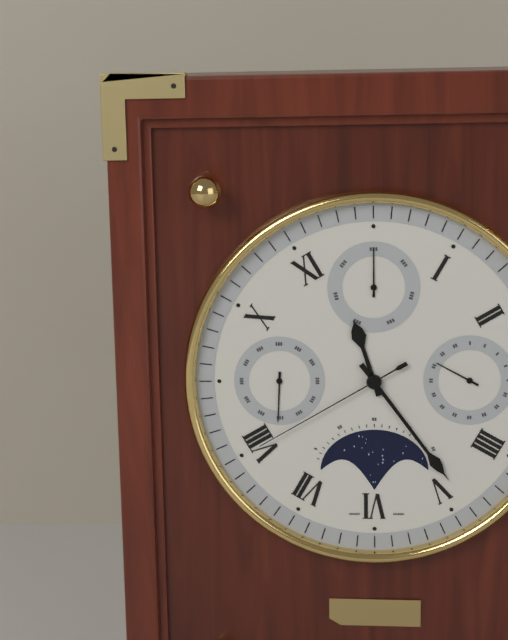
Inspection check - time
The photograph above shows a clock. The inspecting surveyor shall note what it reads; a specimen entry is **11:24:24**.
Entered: **11:24:40**
